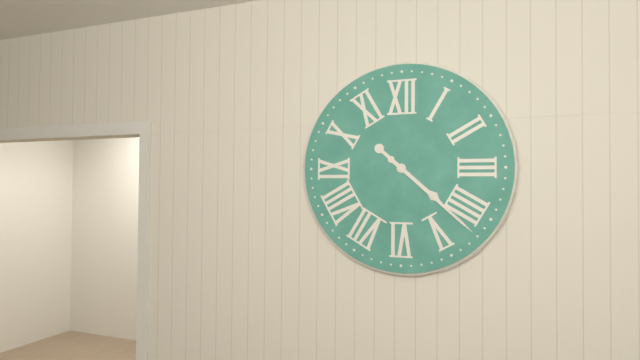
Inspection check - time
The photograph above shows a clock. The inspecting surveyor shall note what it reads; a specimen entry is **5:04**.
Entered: **4:22**
